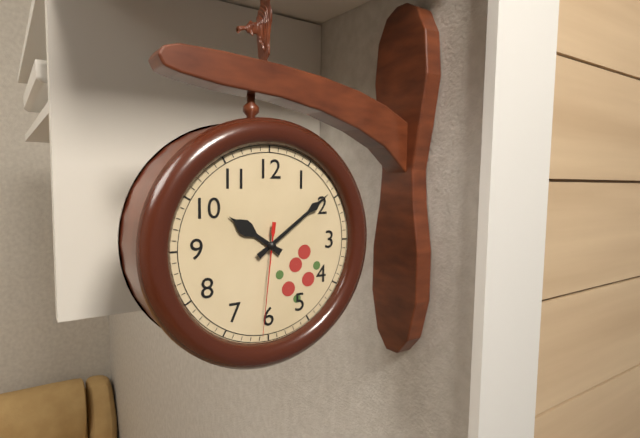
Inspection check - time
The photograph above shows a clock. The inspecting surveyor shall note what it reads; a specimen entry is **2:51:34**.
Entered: **10:09:31**
